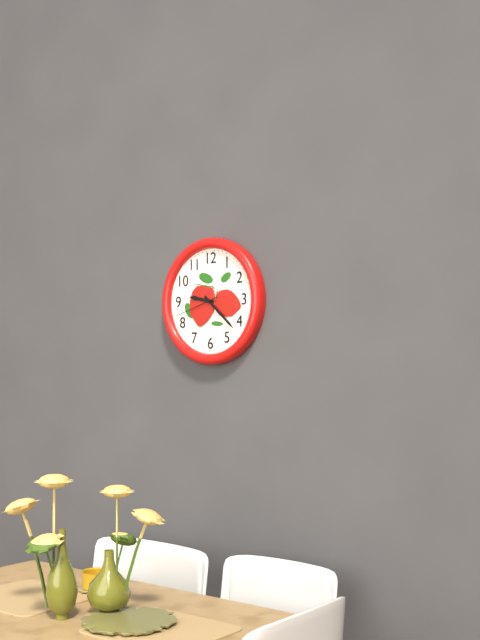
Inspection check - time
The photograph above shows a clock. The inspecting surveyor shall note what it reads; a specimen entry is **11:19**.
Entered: **9:22**
